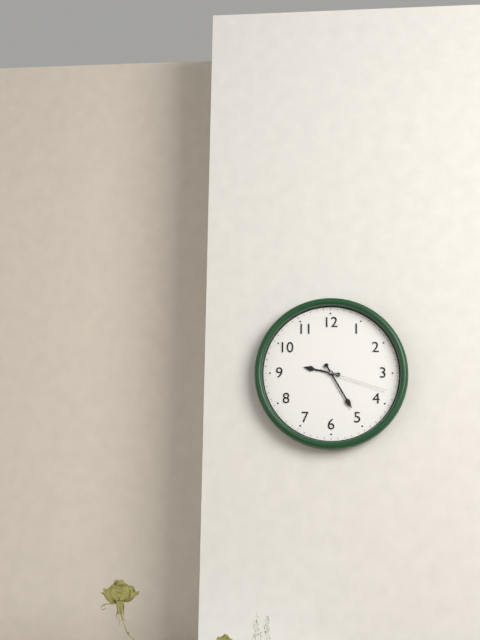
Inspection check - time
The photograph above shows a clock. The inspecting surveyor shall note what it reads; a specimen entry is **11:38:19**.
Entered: **9:25:18**
